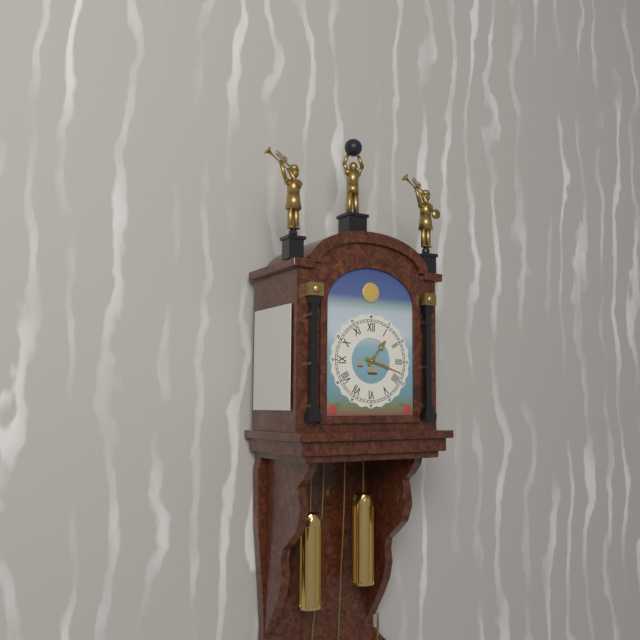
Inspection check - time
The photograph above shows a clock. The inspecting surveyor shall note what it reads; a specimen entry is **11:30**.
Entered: **1:18**
